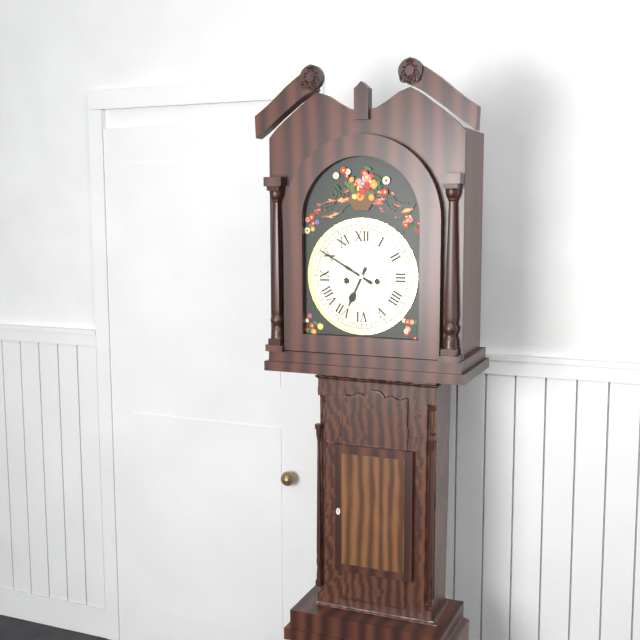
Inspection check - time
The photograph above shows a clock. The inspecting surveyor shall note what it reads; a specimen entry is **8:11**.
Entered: **6:50**
